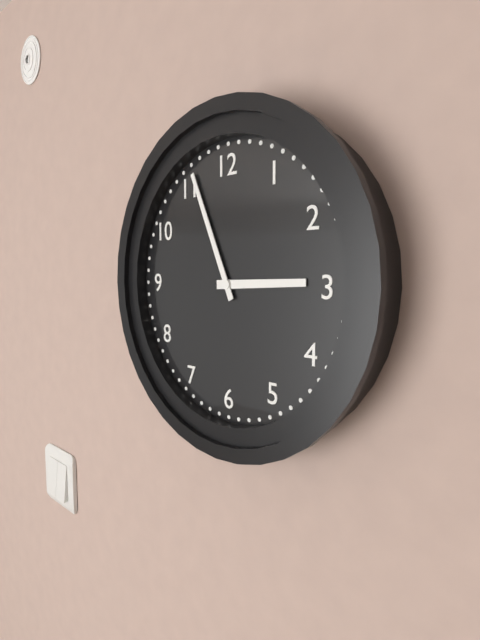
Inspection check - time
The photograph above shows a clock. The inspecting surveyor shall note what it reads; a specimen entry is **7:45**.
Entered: **2:56**
